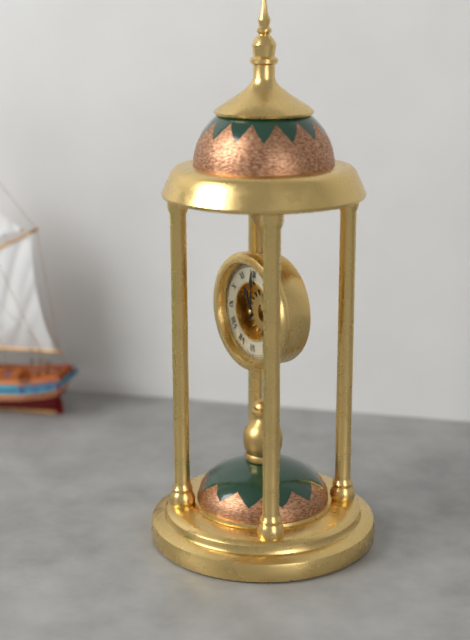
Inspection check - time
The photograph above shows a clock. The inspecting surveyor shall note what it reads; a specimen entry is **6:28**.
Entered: **11:00**
